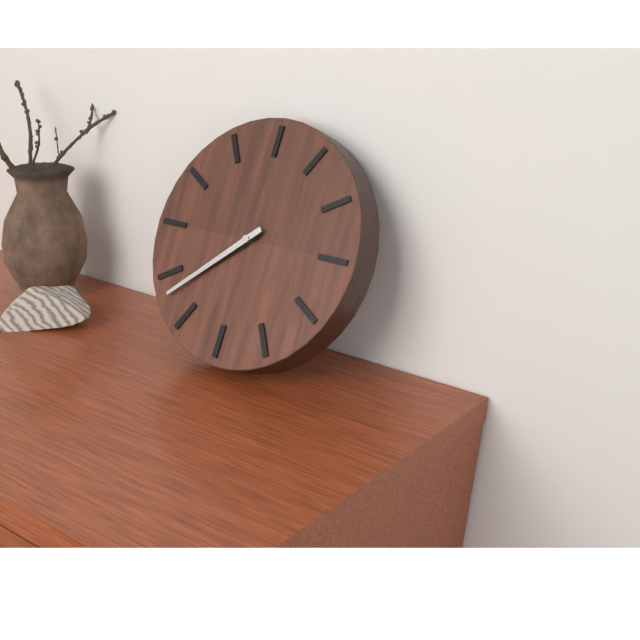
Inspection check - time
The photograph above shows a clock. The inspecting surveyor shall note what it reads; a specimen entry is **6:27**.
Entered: **7:38**
